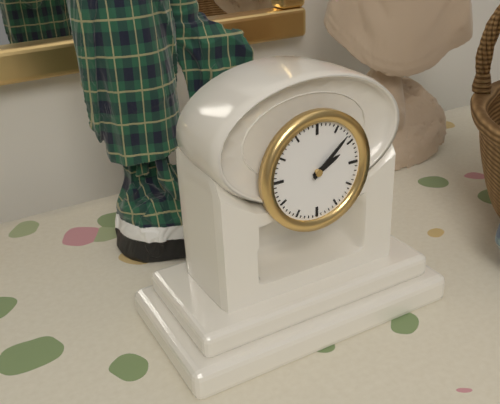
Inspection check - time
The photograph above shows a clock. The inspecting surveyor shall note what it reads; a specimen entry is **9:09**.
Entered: **2:08**
